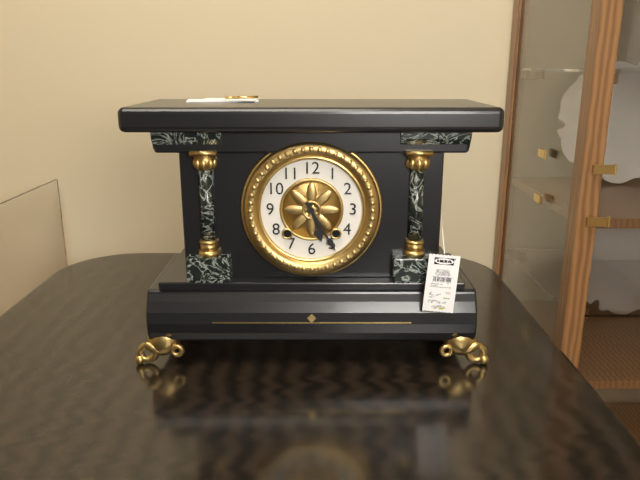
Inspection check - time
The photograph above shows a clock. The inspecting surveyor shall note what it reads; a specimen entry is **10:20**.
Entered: **5:25**
